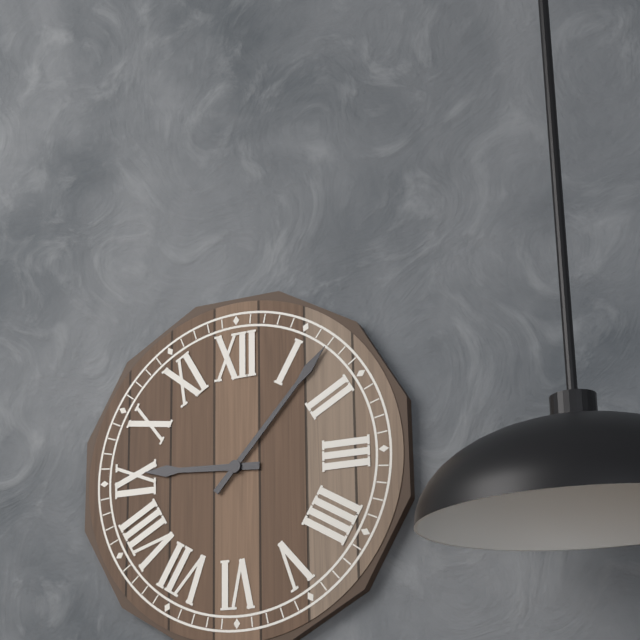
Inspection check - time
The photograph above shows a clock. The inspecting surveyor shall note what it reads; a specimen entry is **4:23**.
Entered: **9:07**
